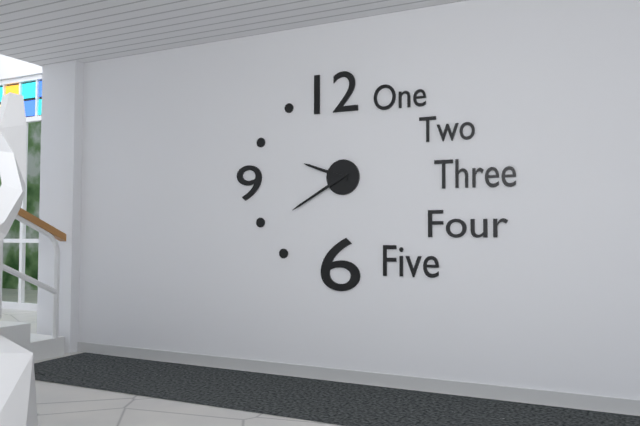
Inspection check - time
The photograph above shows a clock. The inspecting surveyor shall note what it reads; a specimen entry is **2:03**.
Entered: **9:40**
